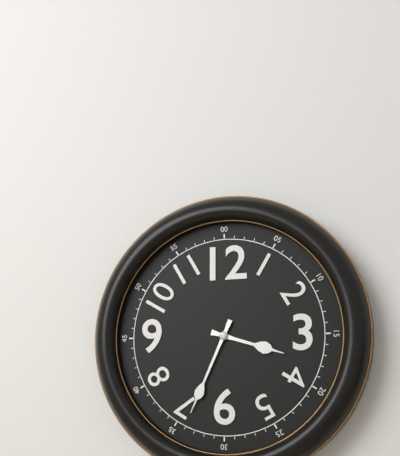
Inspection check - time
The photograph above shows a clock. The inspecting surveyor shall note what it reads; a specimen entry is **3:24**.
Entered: **3:34**
